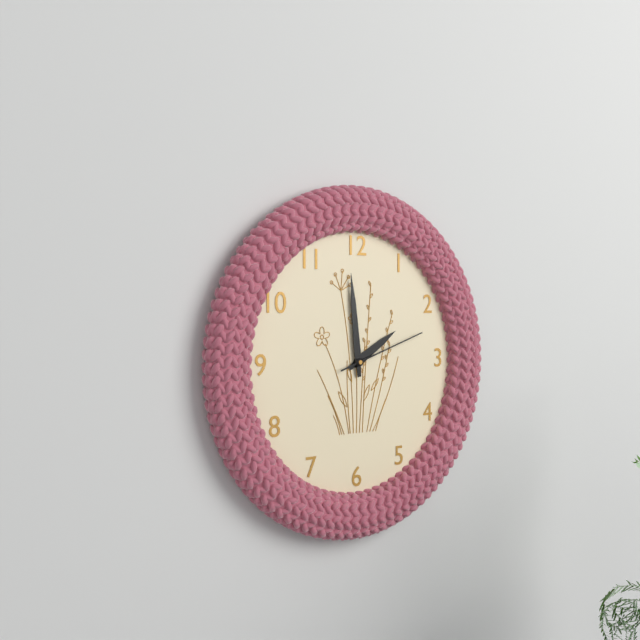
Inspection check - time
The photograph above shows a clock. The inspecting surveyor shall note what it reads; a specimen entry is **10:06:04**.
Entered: **1:59:12**
